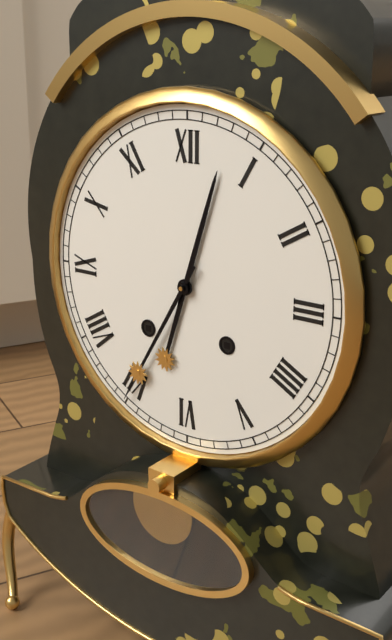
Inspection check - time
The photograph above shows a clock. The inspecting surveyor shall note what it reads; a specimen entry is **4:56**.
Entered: **12:35**
